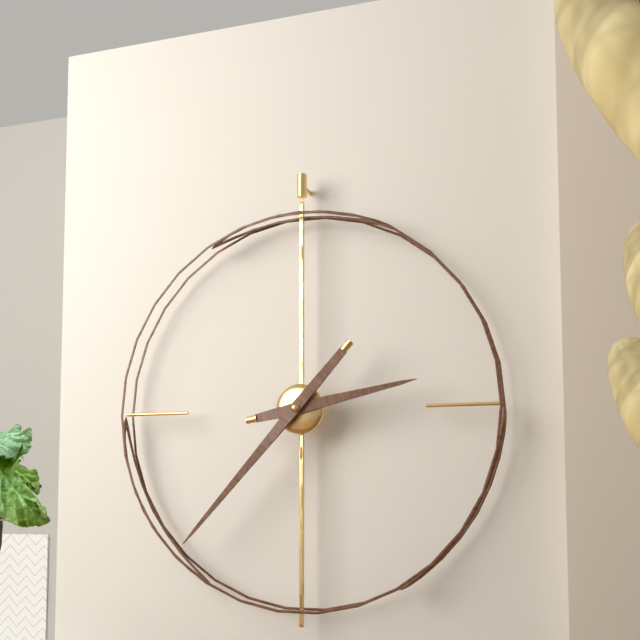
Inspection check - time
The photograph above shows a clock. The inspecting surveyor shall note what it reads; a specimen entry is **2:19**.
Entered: **2:37**
